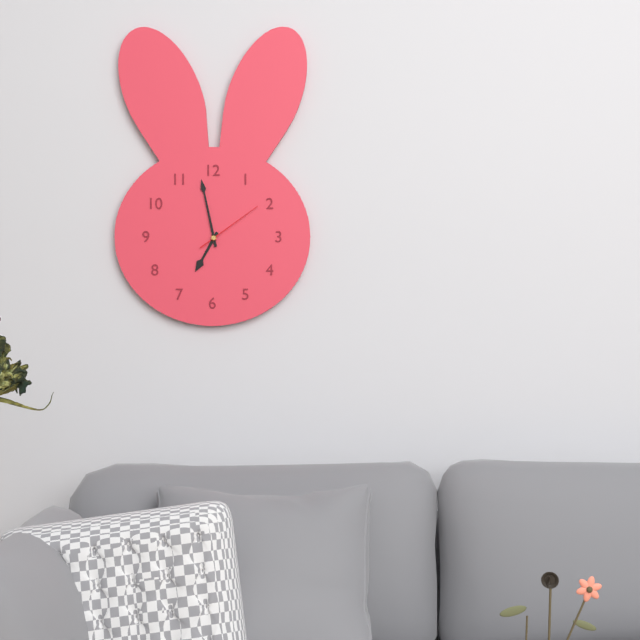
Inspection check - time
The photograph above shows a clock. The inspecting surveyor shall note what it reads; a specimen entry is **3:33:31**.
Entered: **6:58:09**
